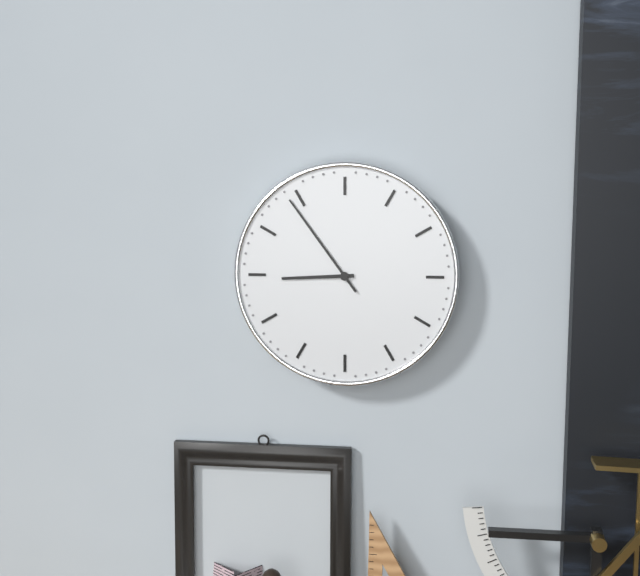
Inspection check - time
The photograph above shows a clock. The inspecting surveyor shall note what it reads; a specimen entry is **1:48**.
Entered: **8:54**
